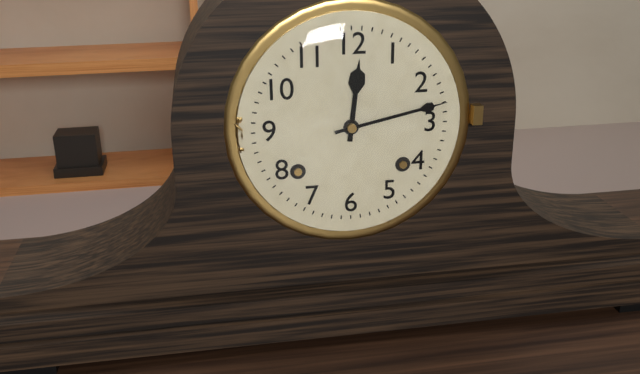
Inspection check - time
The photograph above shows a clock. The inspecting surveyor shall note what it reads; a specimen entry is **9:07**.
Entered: **12:13**
